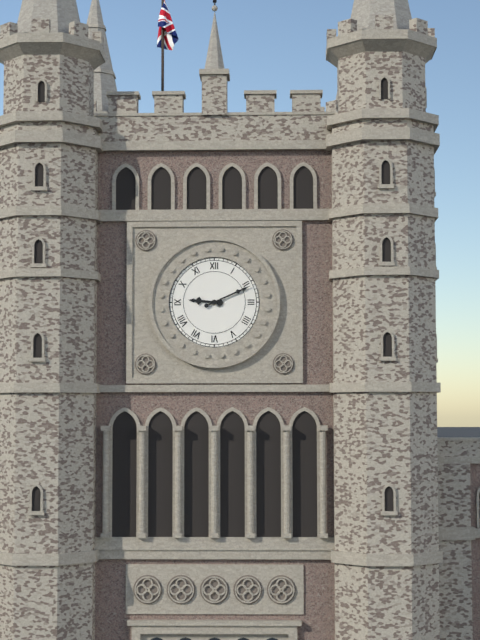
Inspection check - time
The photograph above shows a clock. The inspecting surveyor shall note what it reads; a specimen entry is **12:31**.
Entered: **9:11**
